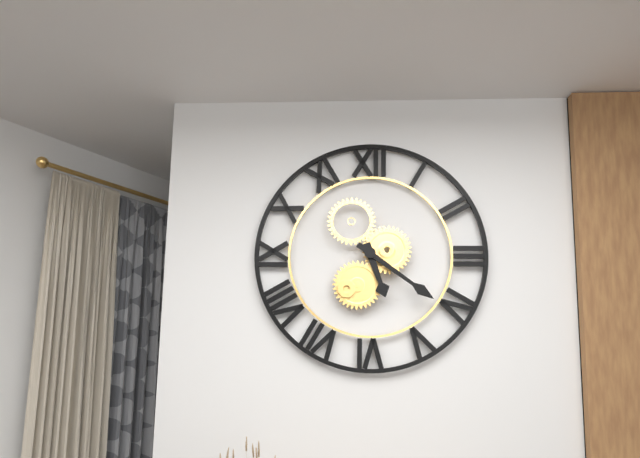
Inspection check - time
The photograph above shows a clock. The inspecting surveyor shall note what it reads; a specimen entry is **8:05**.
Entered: **5:21**
